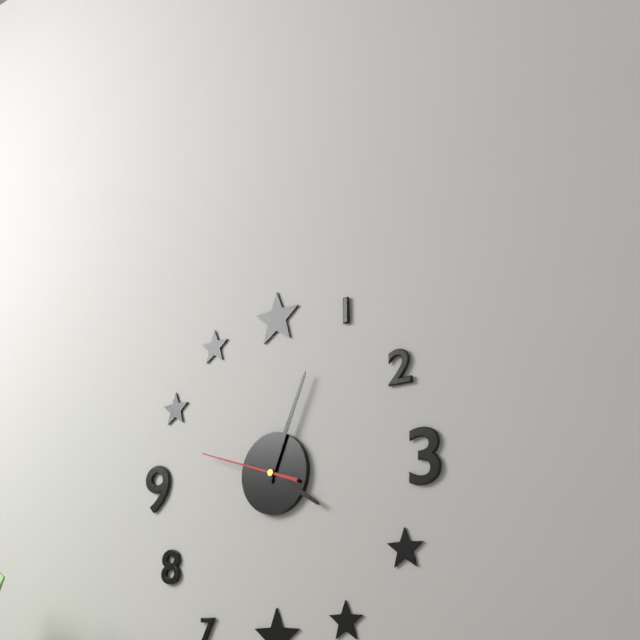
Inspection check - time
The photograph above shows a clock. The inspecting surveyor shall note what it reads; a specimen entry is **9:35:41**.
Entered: **4:04:48**
